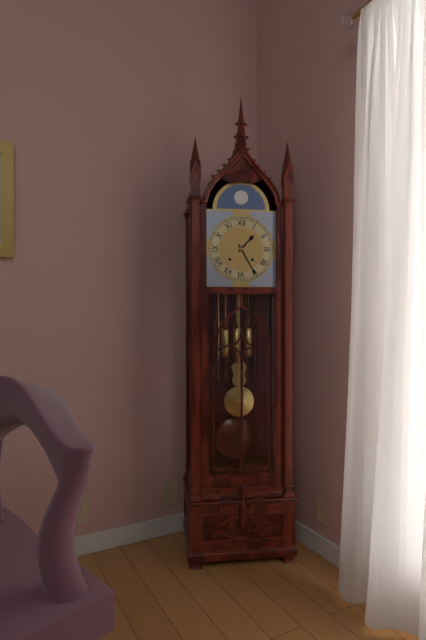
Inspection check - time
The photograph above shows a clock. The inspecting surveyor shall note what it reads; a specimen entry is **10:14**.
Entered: **1:25**
